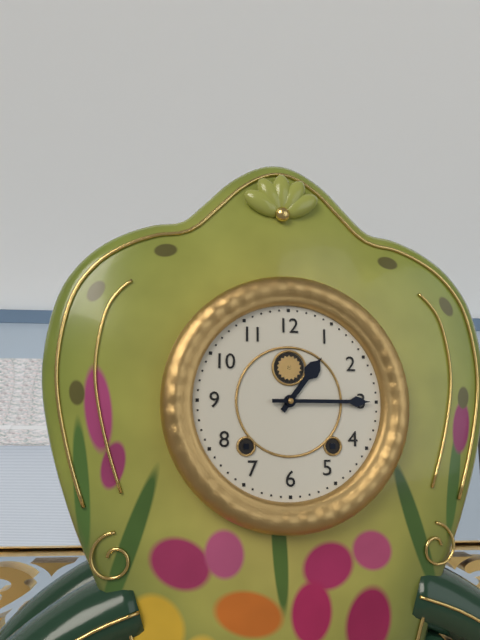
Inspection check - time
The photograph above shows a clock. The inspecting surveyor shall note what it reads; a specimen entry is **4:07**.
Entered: **1:15**
